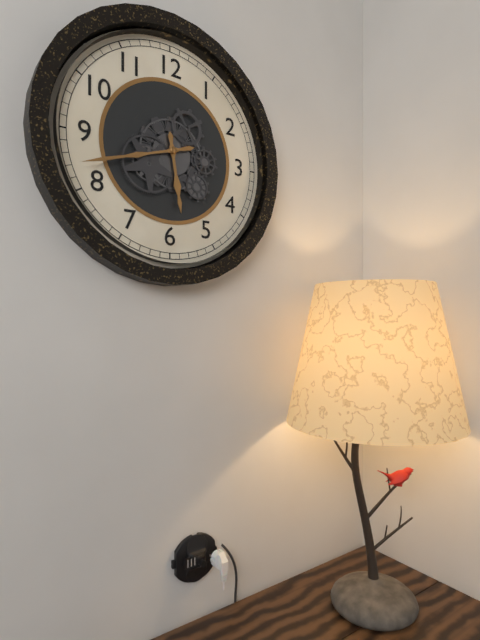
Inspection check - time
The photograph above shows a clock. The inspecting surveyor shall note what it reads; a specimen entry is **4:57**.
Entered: **5:42**
